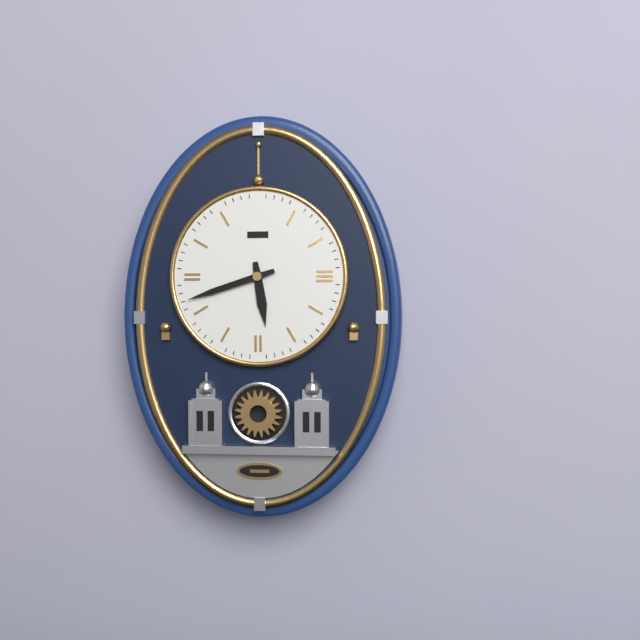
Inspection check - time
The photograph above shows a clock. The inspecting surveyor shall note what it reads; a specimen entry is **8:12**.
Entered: **5:42**
